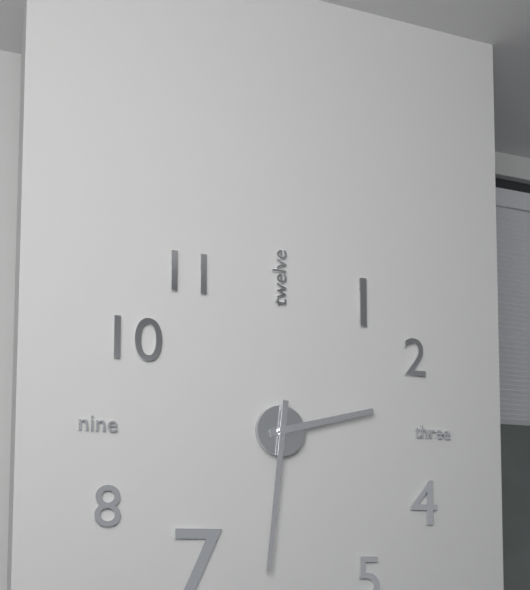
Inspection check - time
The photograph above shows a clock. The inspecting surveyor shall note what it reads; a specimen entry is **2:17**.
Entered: **2:31**
